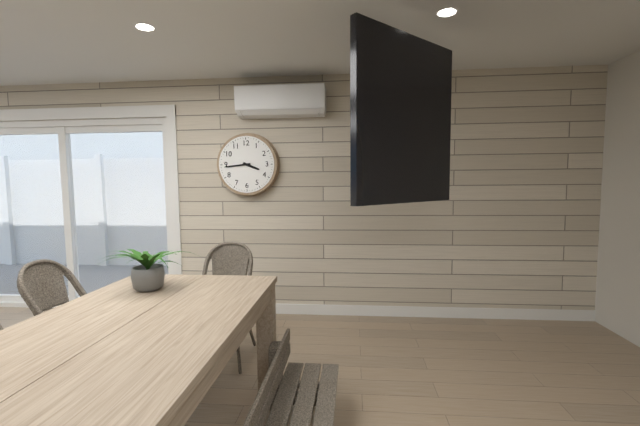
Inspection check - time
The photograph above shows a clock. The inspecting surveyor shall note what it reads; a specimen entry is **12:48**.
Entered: **3:44**
